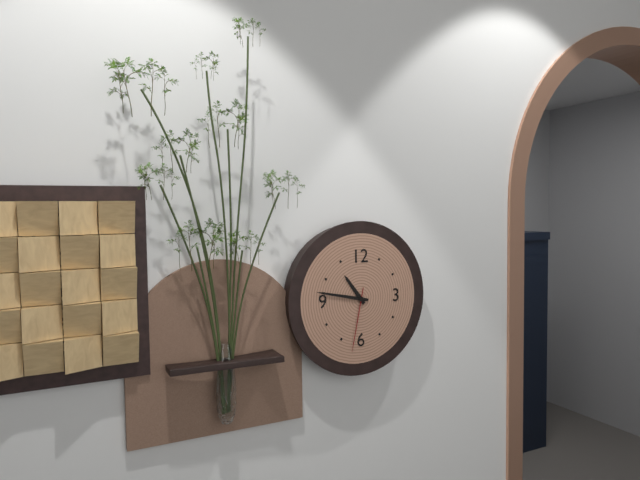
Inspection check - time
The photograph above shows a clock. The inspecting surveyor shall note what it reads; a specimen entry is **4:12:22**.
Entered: **10:47:32**
